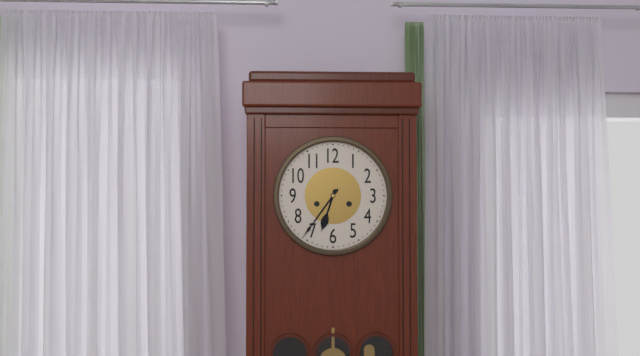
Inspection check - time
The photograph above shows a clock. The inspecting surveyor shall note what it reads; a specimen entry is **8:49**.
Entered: **6:36**
